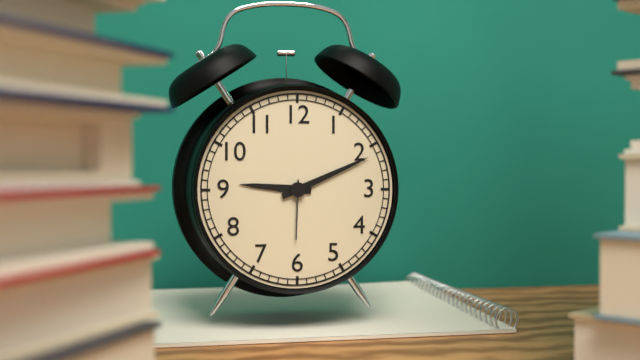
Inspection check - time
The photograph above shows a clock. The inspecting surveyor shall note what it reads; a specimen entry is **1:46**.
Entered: **9:11**
